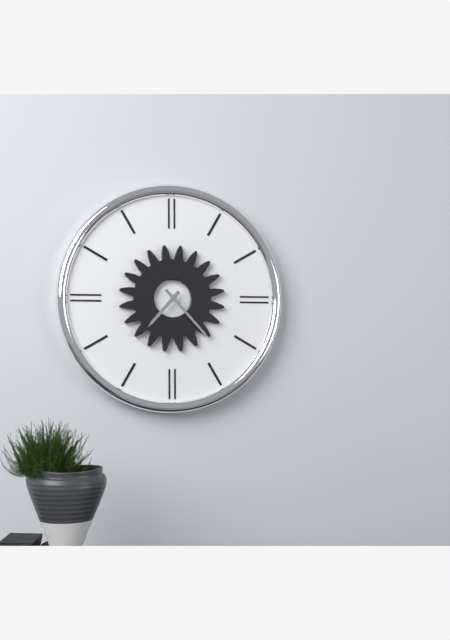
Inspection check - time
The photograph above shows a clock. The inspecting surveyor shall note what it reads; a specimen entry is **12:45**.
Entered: **7:23**
